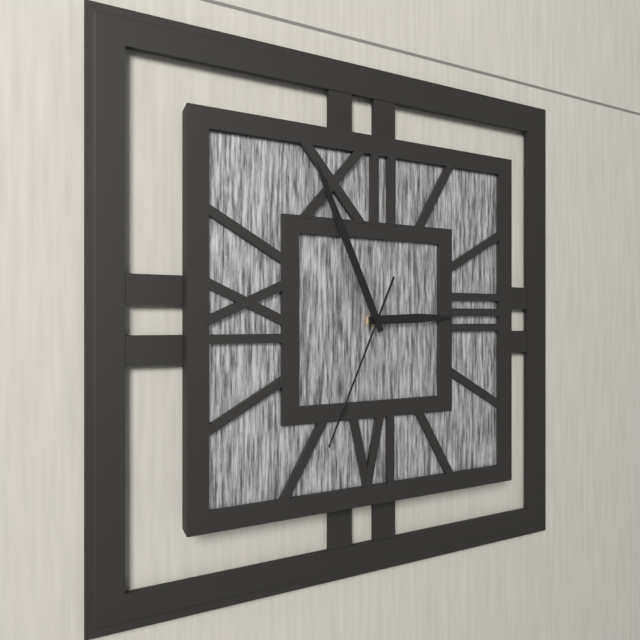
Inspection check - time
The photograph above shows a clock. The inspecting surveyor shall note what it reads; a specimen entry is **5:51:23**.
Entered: **2:56:34**
